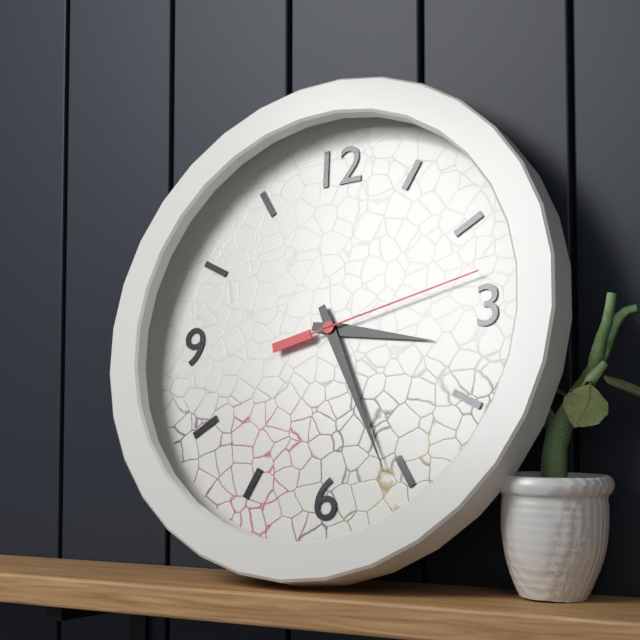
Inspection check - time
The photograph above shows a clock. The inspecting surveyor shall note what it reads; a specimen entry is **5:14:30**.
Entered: **3:26:13**
